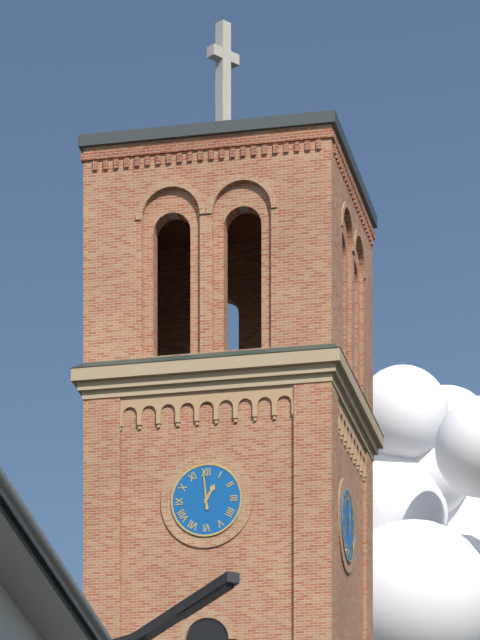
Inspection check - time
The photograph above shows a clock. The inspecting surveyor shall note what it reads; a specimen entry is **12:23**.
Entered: **12:59**
